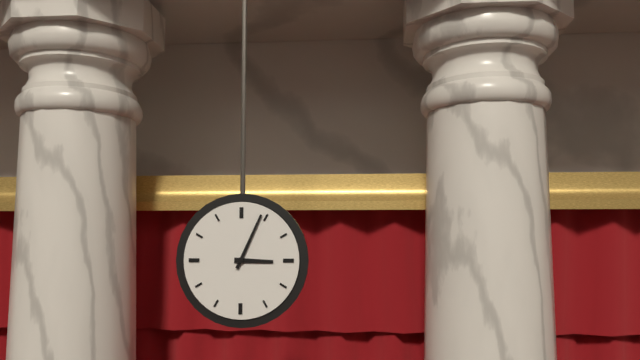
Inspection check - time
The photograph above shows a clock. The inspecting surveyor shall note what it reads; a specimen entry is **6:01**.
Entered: **3:04**
